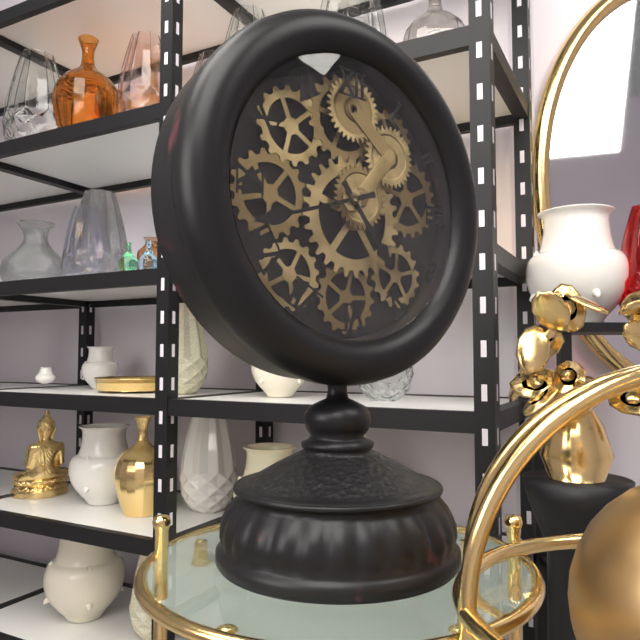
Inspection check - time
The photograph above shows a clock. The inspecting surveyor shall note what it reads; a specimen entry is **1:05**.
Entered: **4:42**
